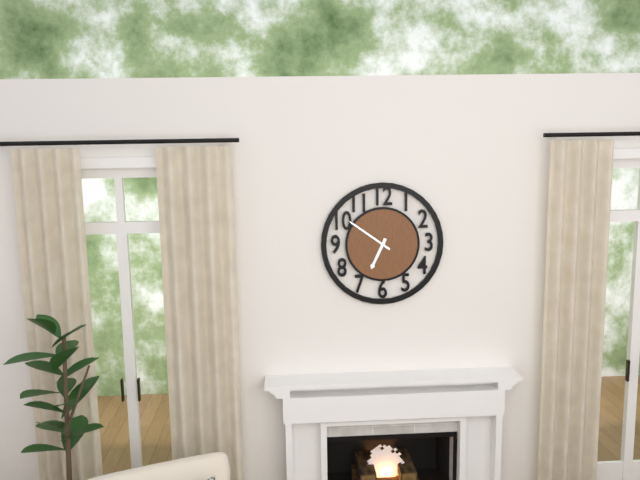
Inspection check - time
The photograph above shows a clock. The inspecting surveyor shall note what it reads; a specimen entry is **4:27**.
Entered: **6:51**
